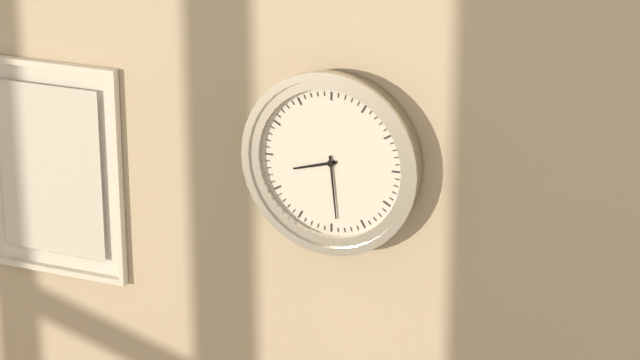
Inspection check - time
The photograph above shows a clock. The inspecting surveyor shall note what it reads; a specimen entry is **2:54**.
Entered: **8:29**
